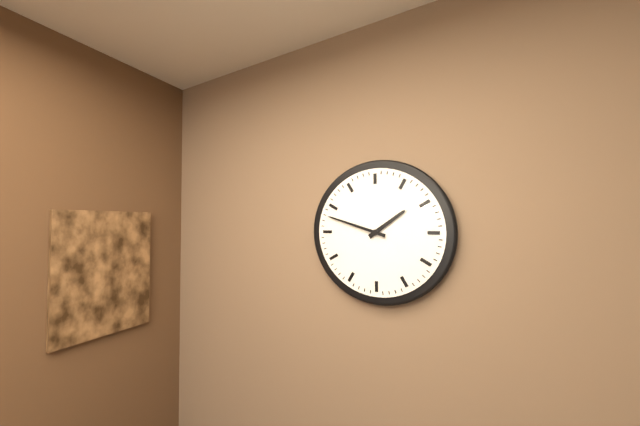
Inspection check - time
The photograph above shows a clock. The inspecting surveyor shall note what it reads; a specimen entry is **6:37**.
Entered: **1:48**
